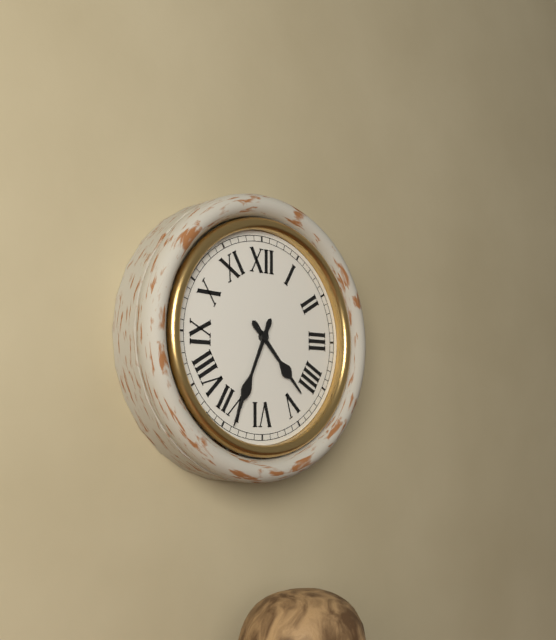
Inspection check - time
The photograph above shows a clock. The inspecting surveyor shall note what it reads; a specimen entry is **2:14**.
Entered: **4:34**
